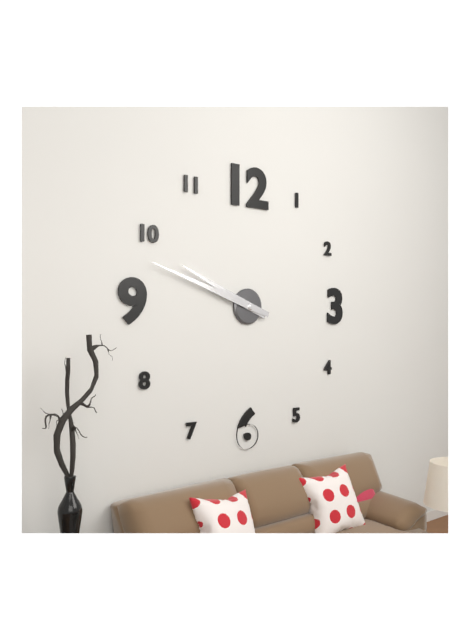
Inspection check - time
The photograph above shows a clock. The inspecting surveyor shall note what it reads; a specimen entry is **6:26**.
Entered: **9:48**
